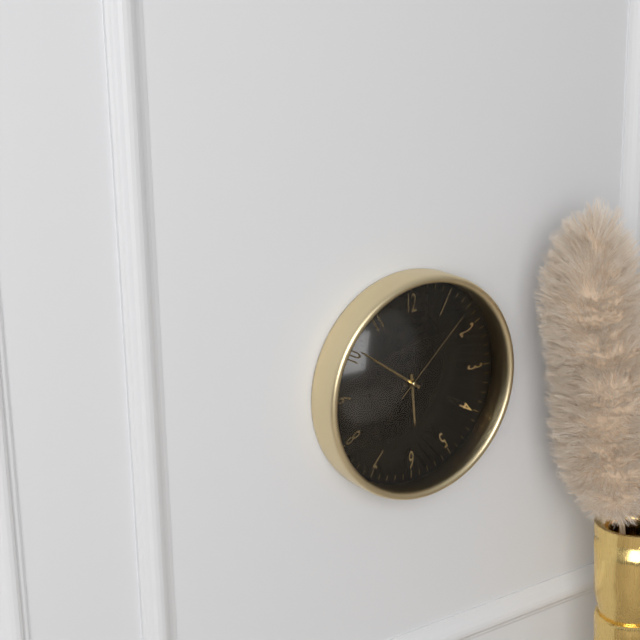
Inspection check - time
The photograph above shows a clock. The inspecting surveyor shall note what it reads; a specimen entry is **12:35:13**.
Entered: **5:51:08**
